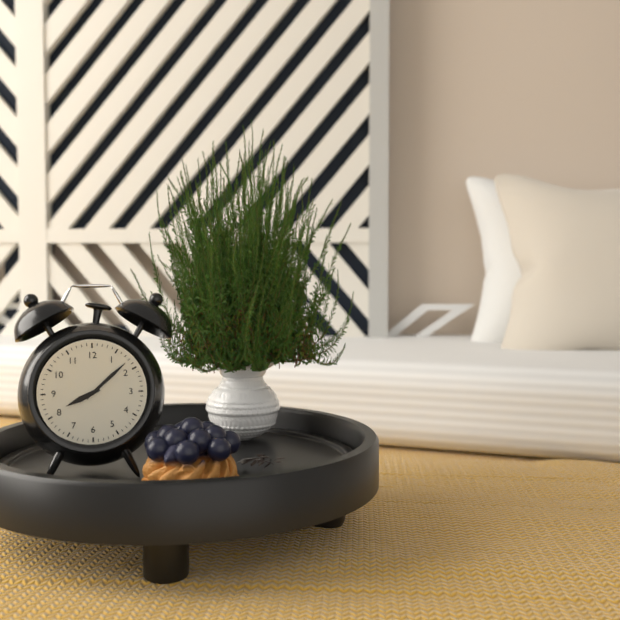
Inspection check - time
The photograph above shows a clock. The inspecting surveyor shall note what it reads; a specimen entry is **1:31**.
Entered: **8:08**
